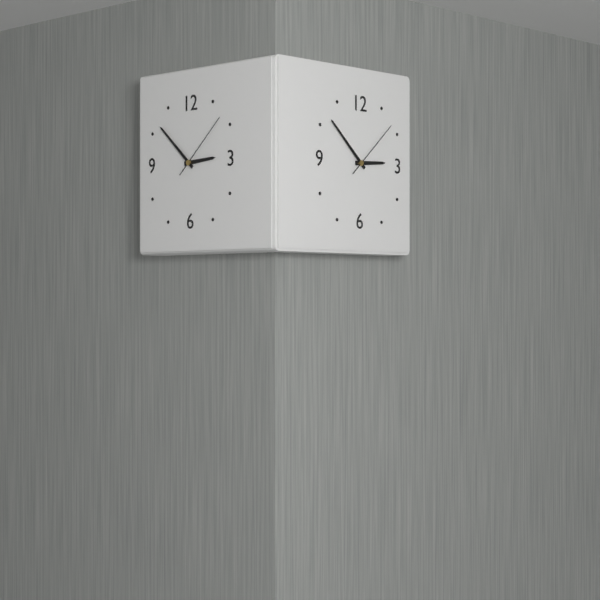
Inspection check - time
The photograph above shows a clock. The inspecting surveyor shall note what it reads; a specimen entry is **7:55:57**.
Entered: **2:52:08**
